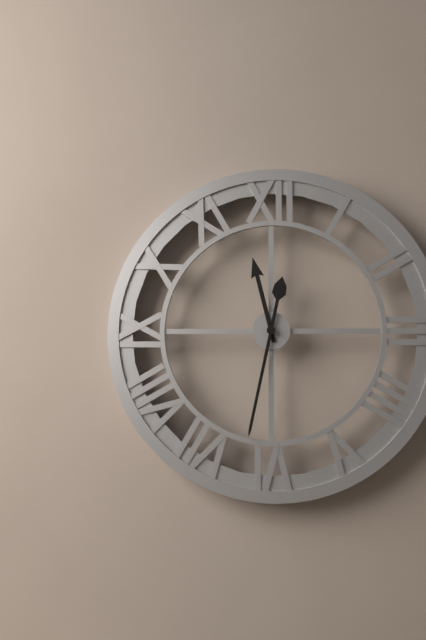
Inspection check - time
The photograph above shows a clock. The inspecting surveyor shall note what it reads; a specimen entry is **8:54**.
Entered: **11:32**
